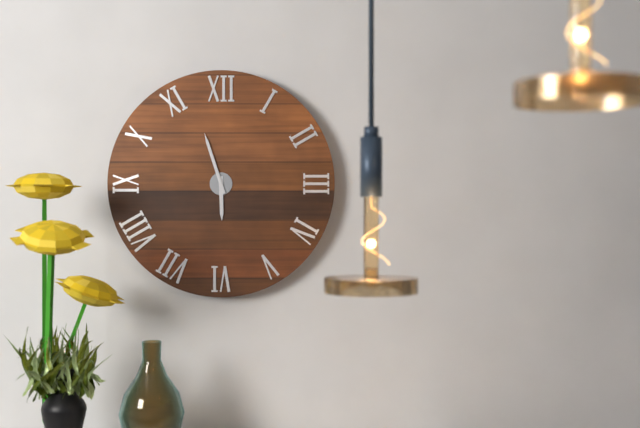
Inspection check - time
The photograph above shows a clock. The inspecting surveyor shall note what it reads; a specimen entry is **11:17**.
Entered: **5:57**
